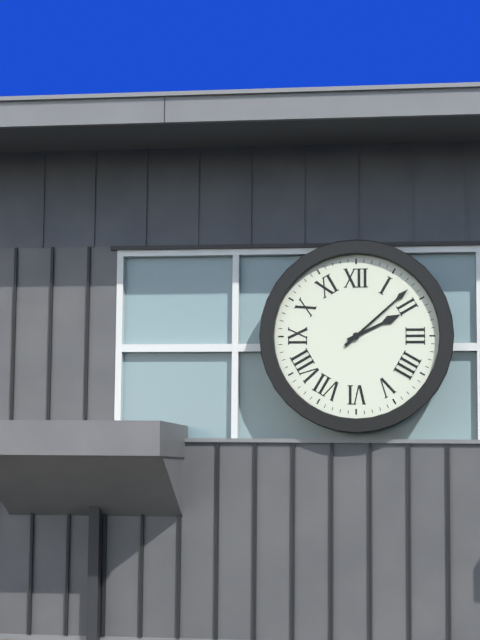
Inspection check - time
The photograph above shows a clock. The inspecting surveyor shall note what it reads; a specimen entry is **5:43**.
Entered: **2:08**
